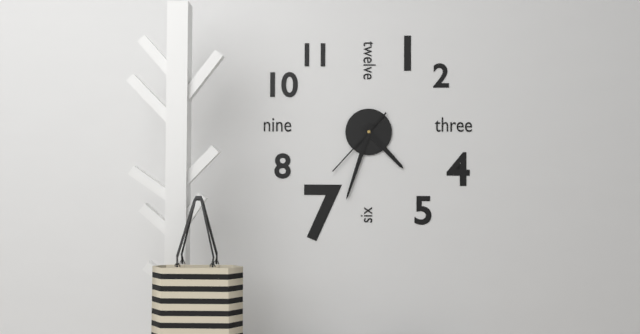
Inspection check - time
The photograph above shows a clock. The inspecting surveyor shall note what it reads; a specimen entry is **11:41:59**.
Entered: **4:33:37**
